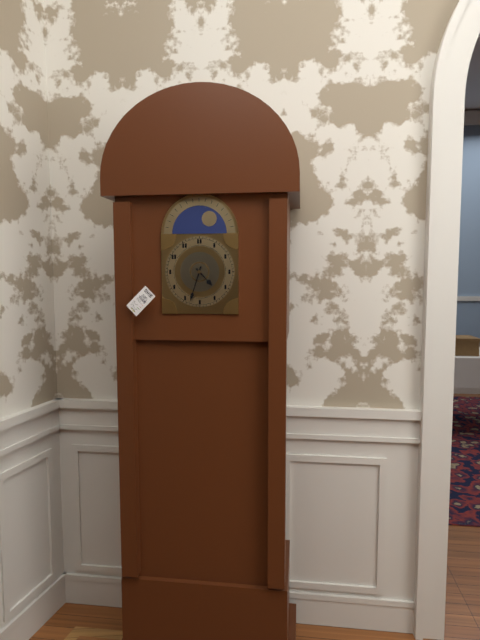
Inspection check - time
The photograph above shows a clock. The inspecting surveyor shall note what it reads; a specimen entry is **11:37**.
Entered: **4:33**
